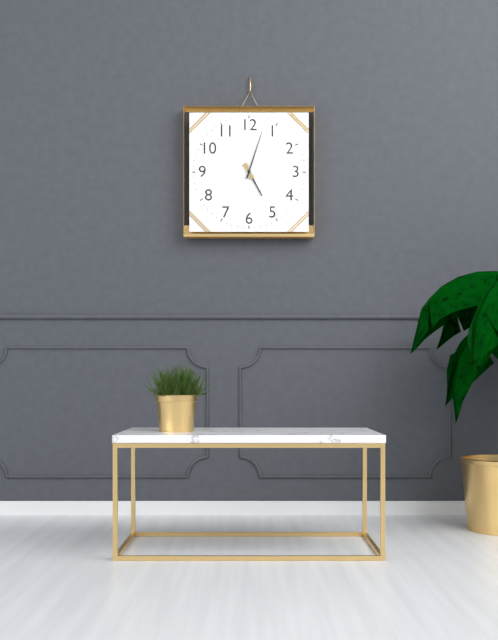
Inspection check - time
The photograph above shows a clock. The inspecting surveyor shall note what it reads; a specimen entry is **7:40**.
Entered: **5:03**
